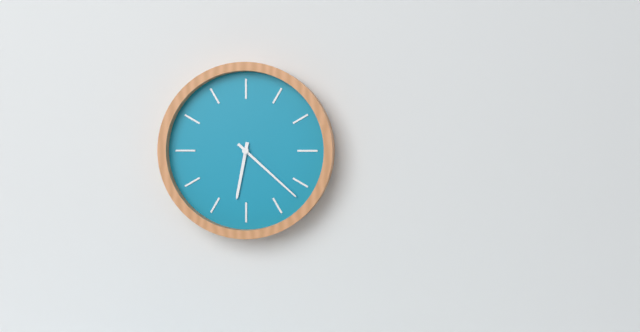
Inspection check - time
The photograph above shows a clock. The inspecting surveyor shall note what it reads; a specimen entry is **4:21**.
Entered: **6:22**
